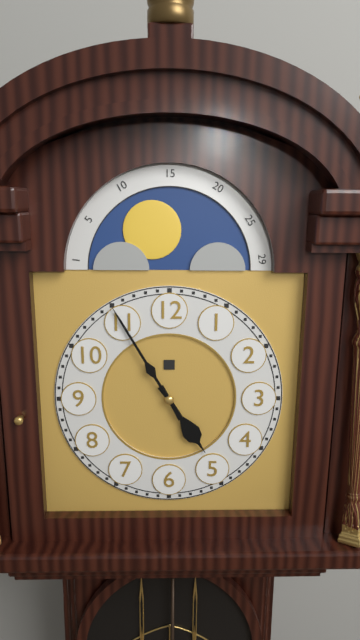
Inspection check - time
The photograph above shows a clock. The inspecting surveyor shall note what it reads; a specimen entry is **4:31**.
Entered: **4:55**
